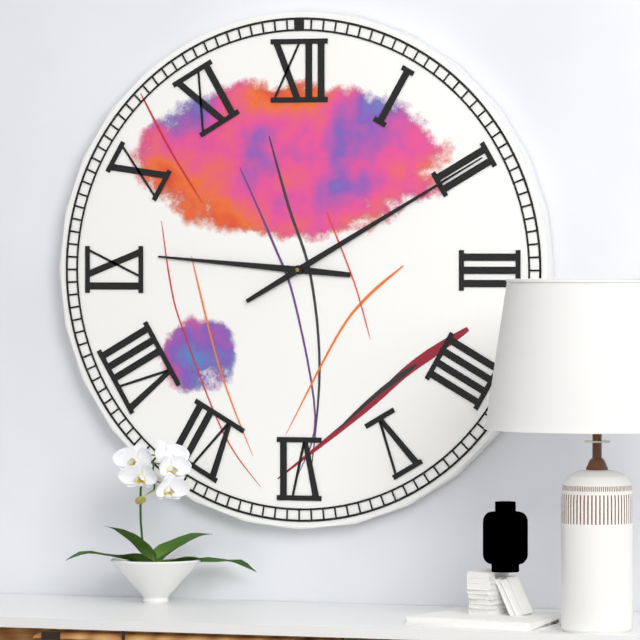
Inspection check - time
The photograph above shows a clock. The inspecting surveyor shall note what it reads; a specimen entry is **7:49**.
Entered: **9:10**
